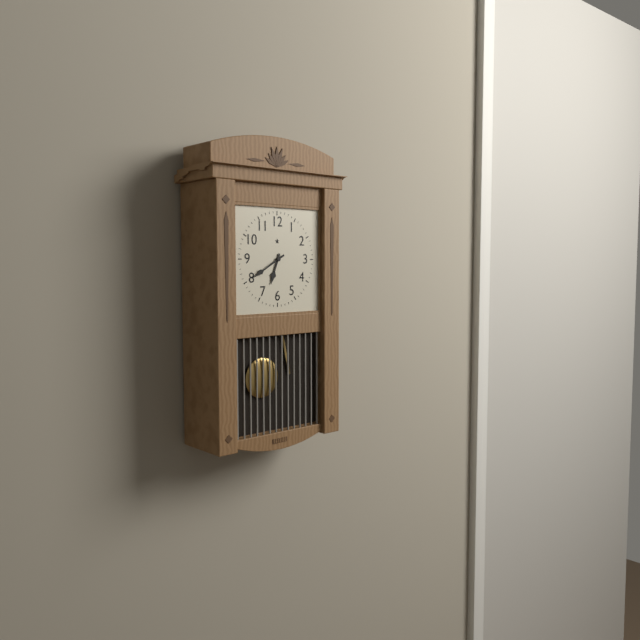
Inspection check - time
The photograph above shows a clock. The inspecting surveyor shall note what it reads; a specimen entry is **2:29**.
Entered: **6:40**
